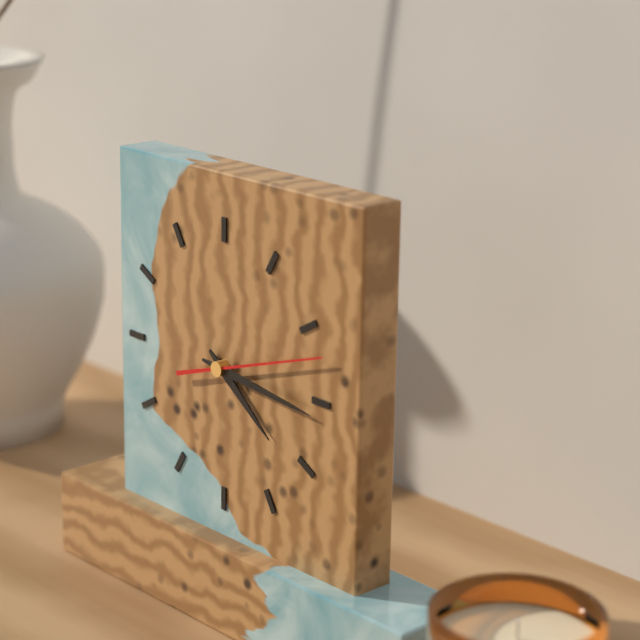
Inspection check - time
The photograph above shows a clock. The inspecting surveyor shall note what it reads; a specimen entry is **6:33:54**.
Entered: **4:16:12**
